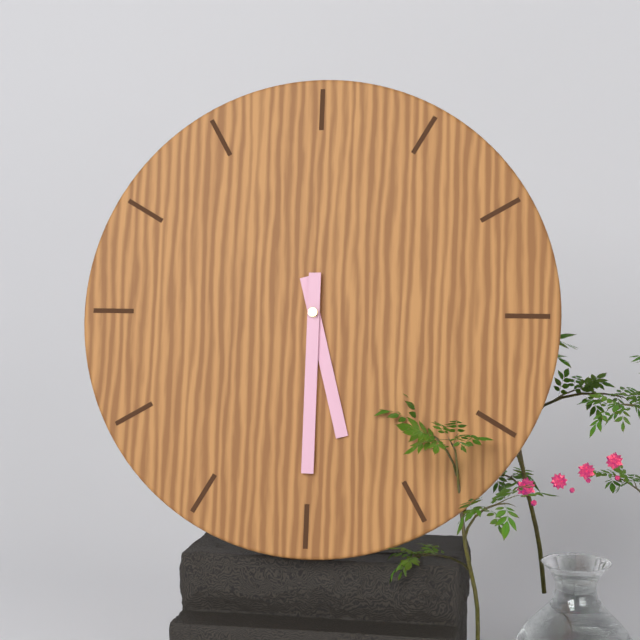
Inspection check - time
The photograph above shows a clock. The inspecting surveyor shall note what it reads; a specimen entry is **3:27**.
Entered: **5:30**
